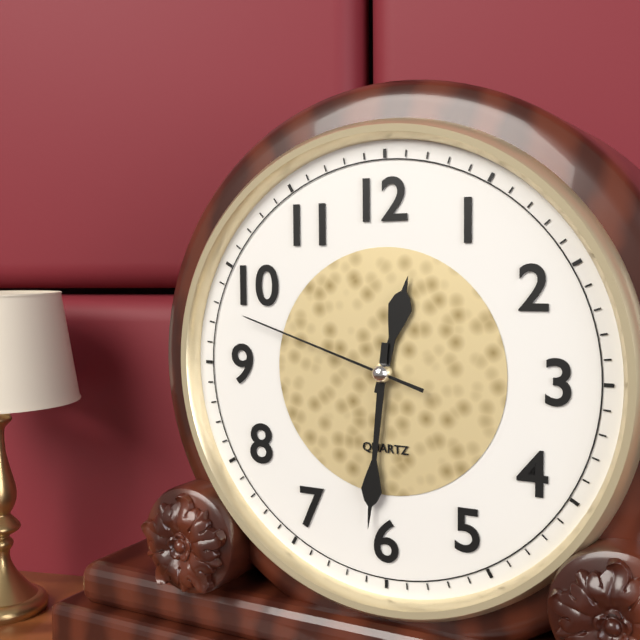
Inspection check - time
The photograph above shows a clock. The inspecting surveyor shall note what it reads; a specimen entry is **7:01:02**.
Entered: **12:31:48**
